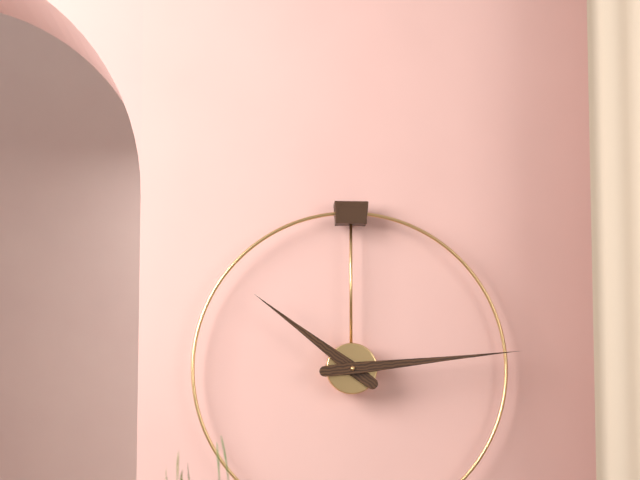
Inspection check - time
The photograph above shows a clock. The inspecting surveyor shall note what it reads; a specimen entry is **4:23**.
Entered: **10:14**
